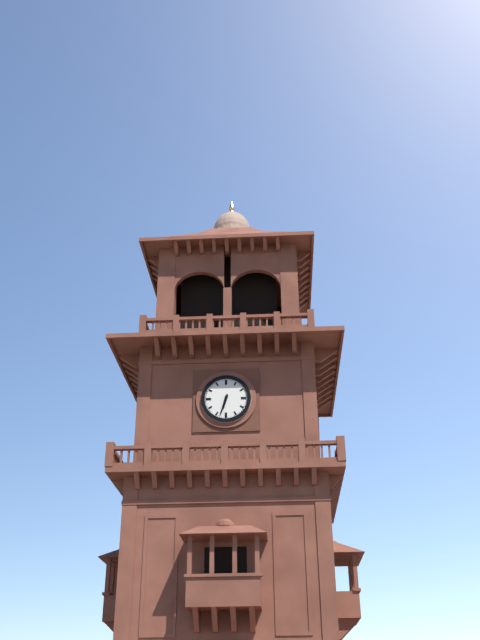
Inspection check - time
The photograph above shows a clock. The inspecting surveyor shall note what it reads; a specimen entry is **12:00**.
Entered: **6:33**
